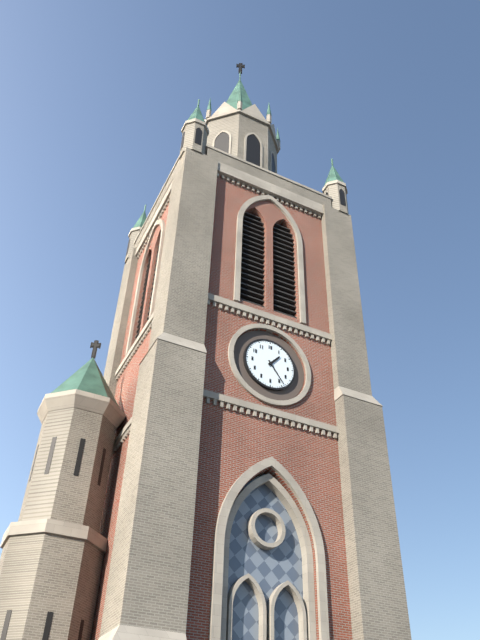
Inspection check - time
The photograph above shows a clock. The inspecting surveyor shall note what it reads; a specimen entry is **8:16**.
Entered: **1:24**
